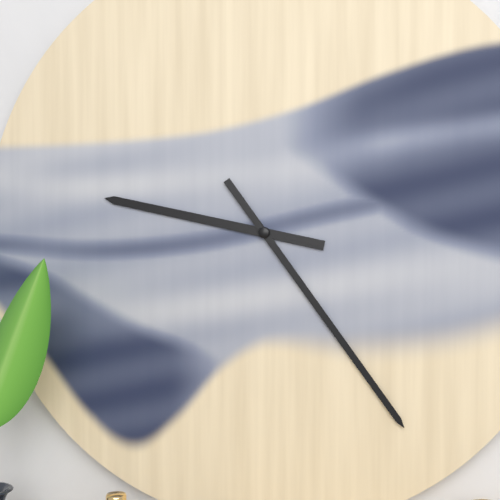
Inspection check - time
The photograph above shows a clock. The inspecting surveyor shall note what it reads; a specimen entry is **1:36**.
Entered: **9:24**
